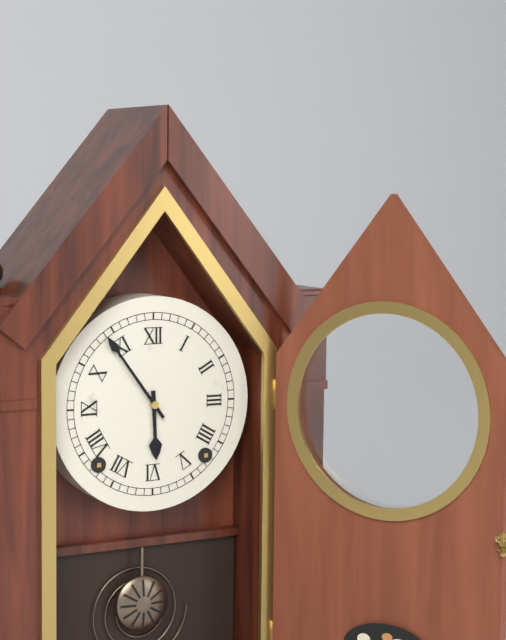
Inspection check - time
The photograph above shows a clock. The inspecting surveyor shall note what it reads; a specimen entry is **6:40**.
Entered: **5:54**
